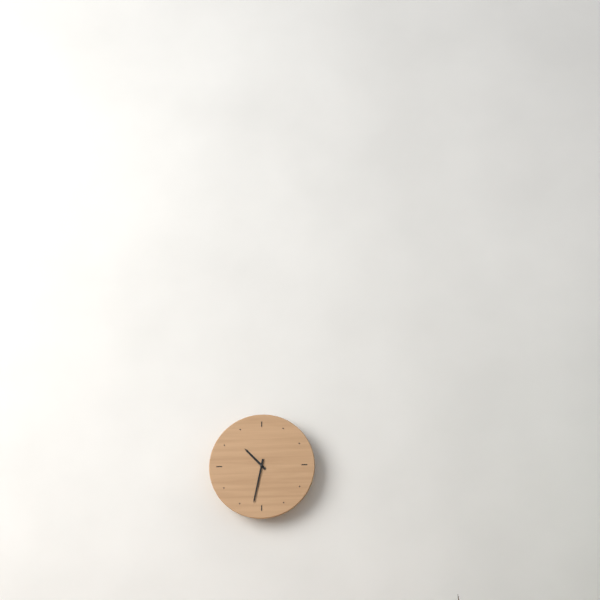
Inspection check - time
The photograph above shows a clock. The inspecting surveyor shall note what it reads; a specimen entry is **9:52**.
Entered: **10:32**
